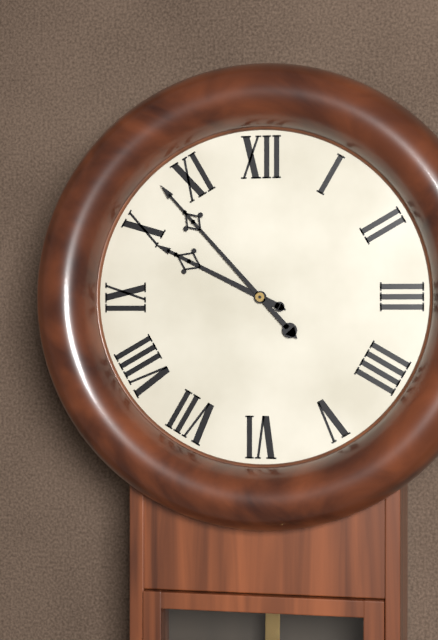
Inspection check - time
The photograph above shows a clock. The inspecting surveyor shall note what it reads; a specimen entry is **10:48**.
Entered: **9:53**
